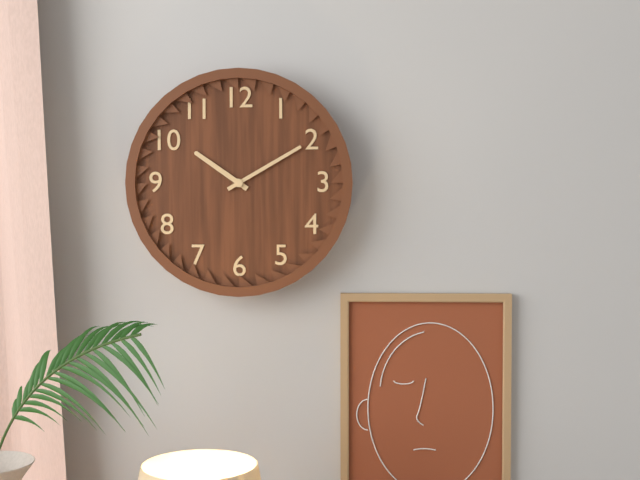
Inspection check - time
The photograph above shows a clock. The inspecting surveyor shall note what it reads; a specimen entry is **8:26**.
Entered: **10:10**
